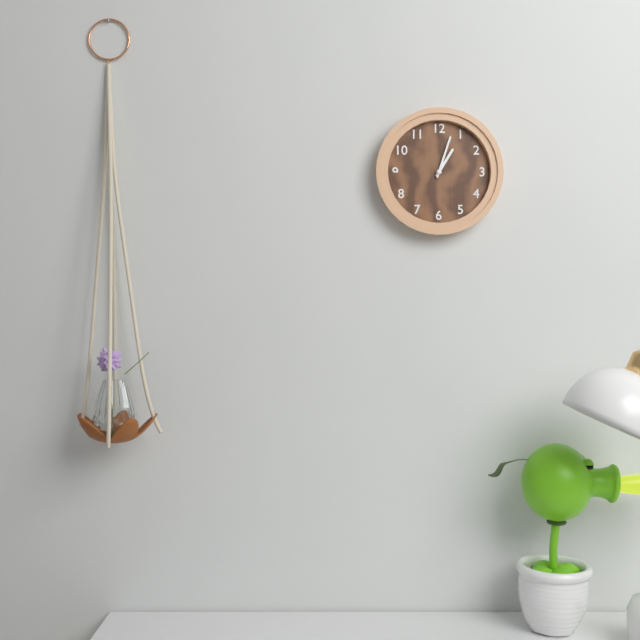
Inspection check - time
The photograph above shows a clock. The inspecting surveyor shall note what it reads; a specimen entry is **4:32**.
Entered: **1:03**
